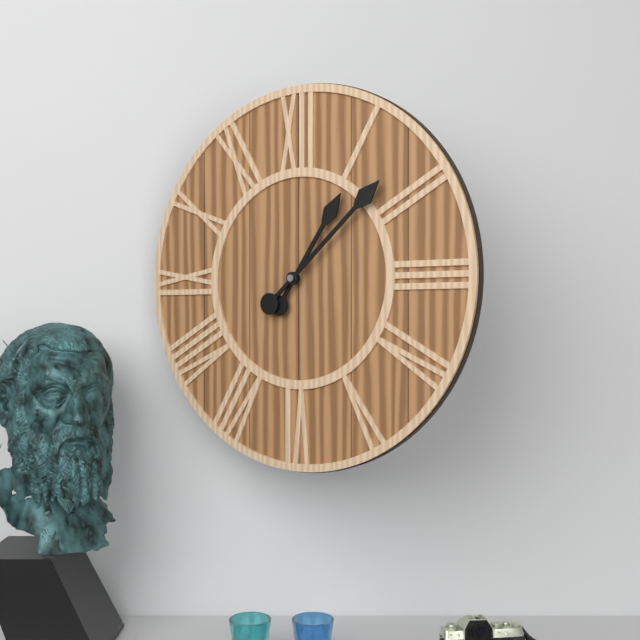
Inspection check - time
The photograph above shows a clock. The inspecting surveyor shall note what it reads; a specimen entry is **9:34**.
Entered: **1:08**
